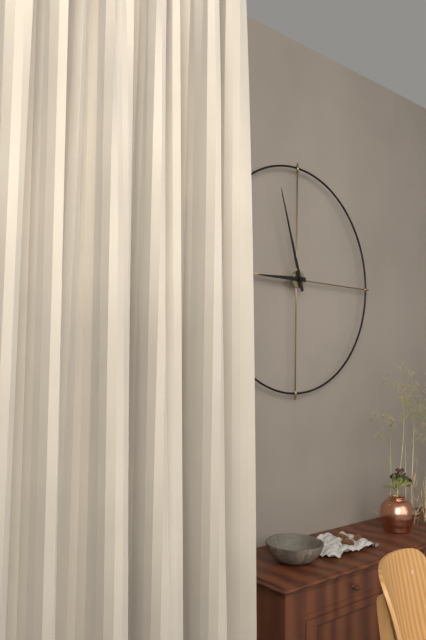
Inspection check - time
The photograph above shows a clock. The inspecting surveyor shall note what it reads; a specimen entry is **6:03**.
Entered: **8:57**
